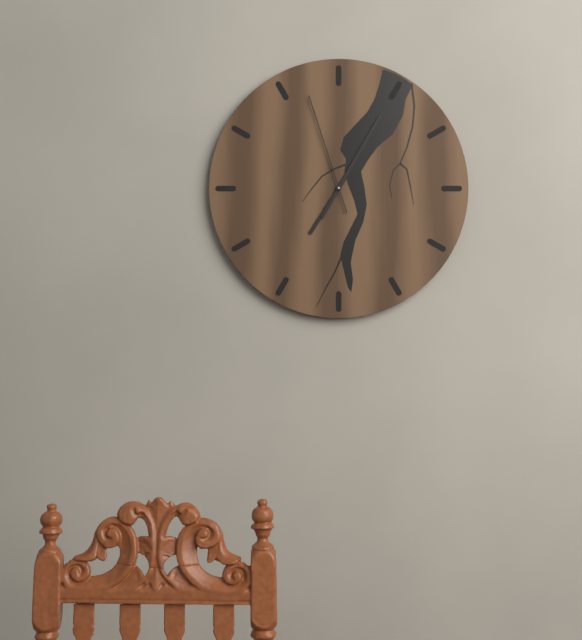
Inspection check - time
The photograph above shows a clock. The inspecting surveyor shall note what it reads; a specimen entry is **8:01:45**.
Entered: **7:05:57**
